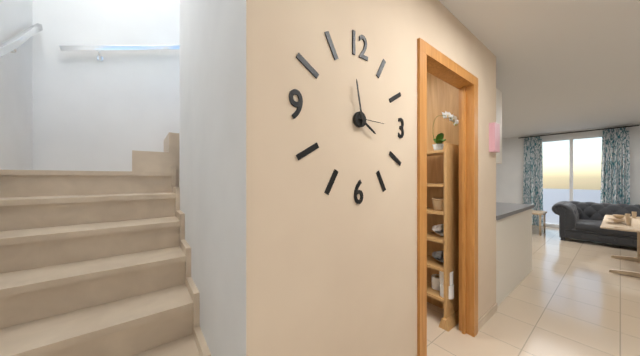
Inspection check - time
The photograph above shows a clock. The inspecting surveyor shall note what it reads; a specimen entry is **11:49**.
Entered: **3:58**
